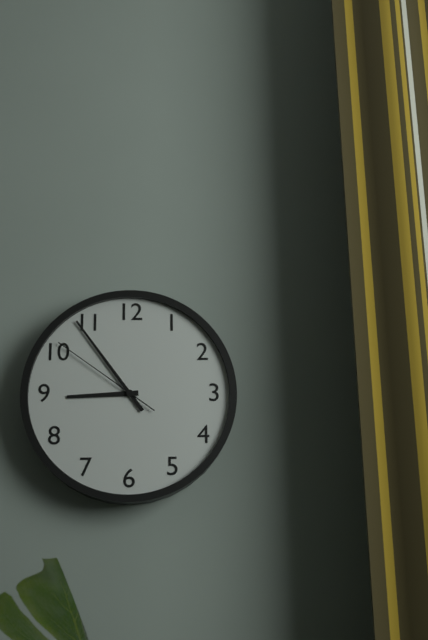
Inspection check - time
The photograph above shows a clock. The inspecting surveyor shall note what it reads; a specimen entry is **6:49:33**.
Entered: **8:54:51**
